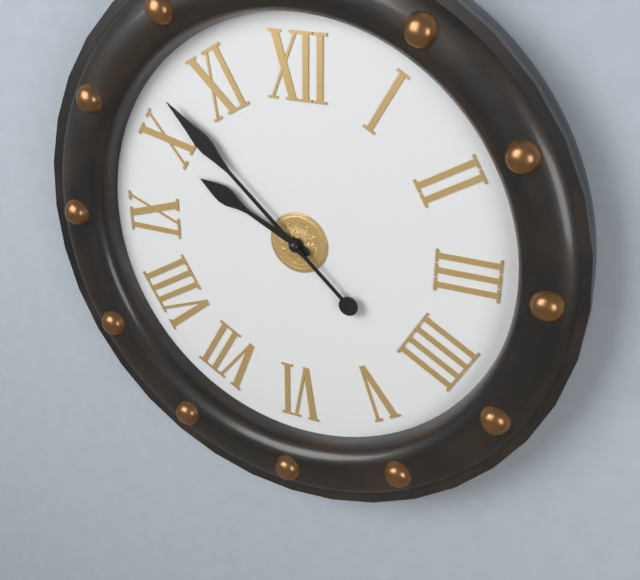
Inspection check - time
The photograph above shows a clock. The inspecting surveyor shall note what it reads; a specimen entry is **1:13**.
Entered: **9:52**
